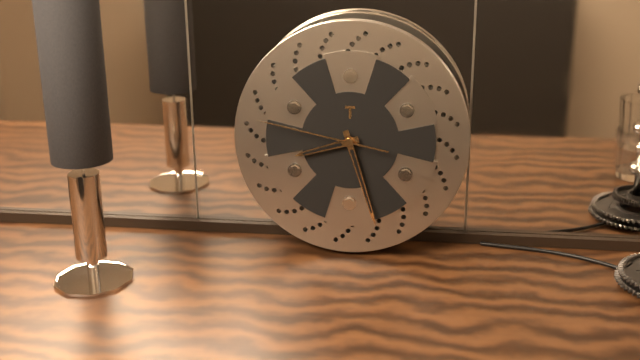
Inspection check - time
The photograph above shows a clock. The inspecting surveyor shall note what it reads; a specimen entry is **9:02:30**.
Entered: **8:27:47**
